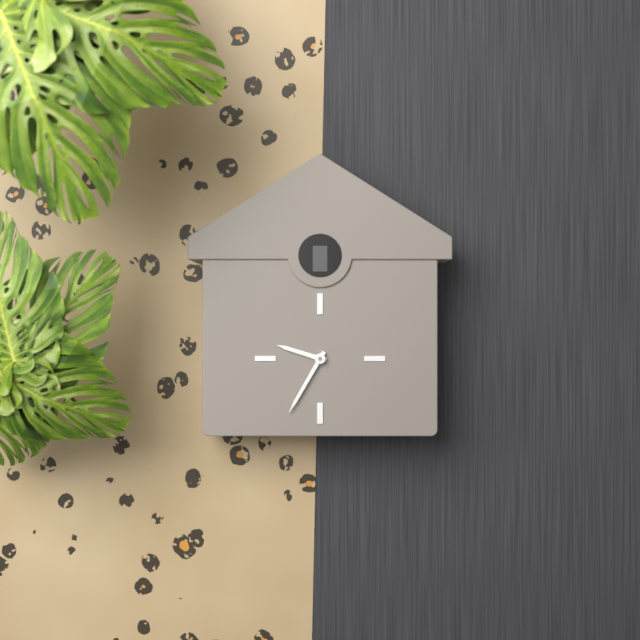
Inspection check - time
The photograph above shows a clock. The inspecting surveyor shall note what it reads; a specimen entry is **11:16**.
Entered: **9:35**
